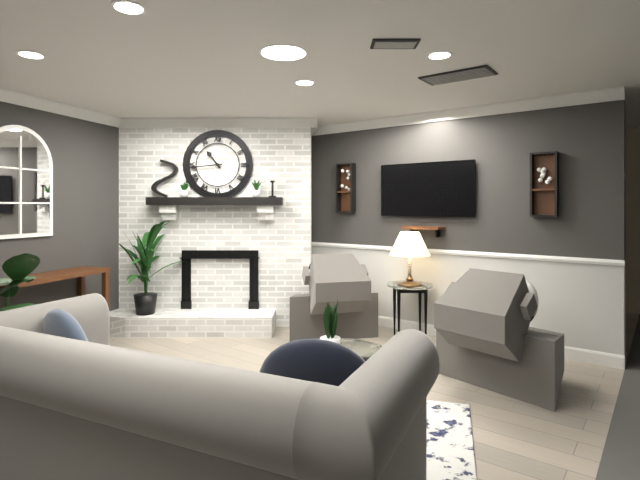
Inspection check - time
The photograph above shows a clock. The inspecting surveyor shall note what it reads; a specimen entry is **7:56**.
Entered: **10:44**
